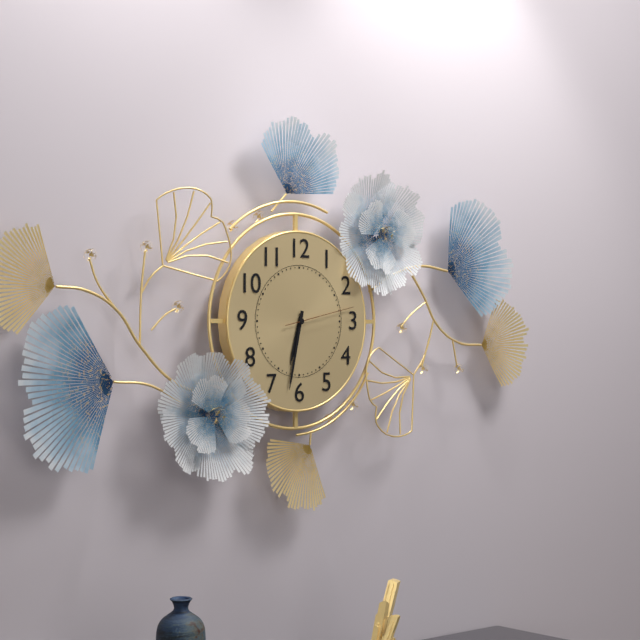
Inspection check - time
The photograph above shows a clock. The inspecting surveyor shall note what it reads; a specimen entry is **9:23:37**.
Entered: **6:32:13**
